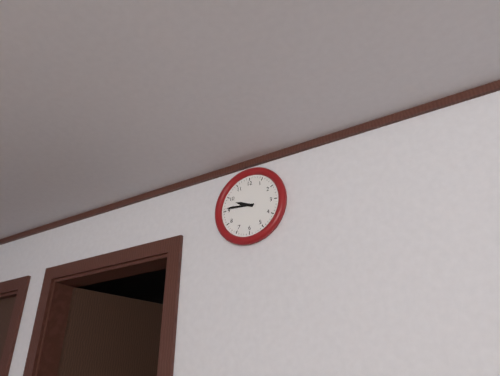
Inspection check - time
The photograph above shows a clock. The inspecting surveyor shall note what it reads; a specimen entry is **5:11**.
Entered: **9:46**
